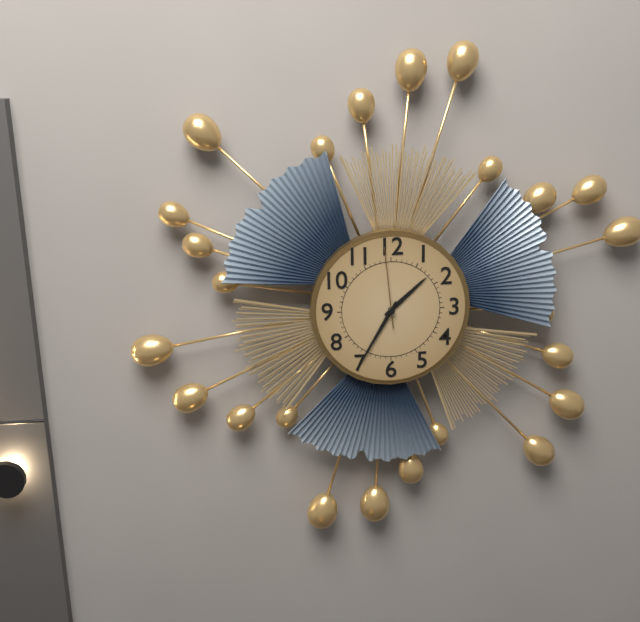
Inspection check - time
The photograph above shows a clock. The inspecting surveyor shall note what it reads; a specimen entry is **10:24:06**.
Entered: **1:35:59**
